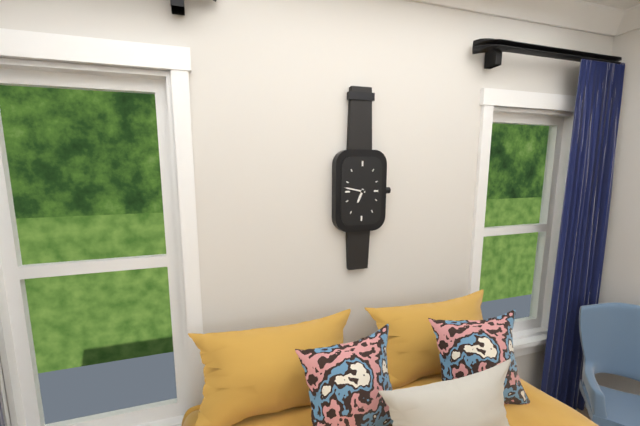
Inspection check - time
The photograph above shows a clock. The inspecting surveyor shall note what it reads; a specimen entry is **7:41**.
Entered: **6:47**
